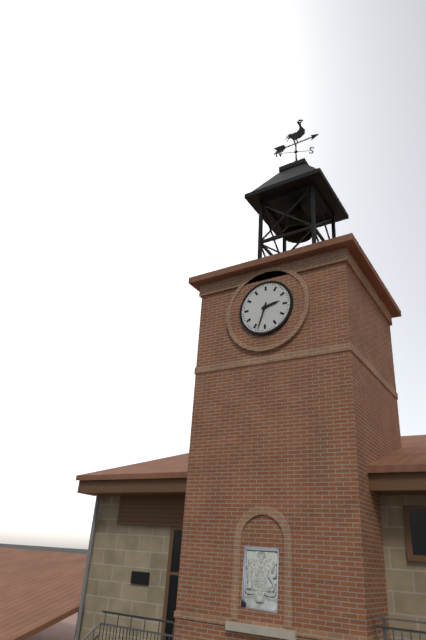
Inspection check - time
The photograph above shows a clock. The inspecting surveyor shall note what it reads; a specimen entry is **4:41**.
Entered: **2:33**
